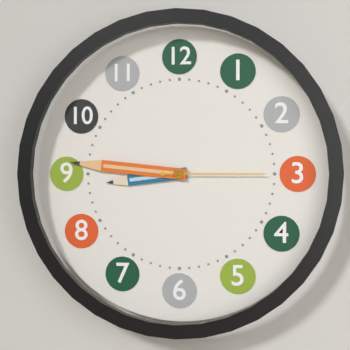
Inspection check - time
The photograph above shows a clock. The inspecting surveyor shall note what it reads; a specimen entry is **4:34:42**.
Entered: **8:46:15**
